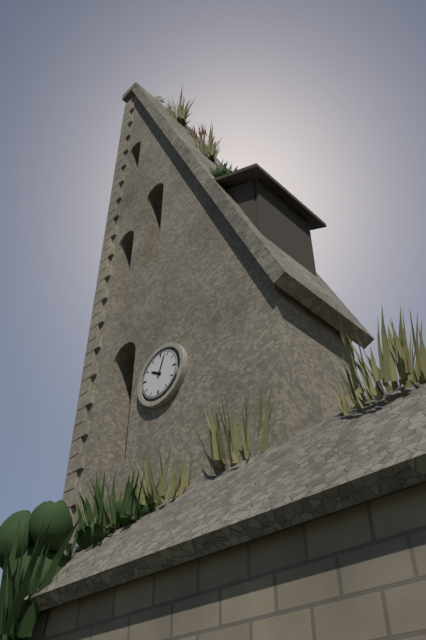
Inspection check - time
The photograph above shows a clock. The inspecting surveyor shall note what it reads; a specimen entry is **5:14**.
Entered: **10:03**
